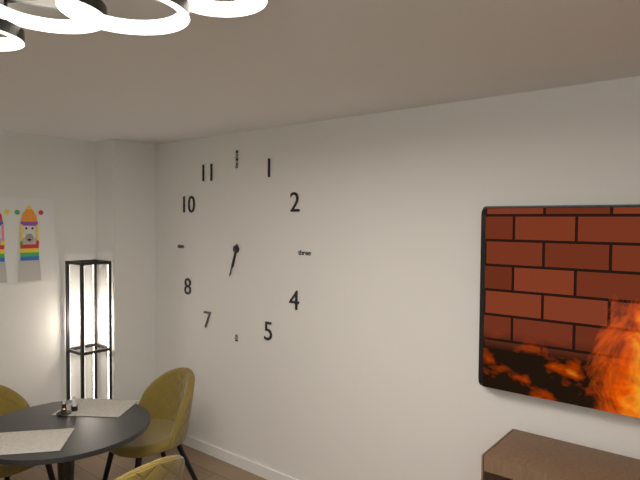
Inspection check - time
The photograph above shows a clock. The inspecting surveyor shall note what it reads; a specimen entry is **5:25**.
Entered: **6:33**
